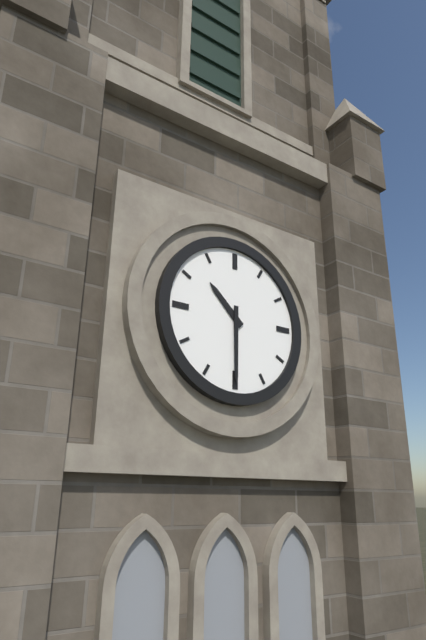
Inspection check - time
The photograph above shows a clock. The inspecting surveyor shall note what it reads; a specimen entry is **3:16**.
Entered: **10:30**
